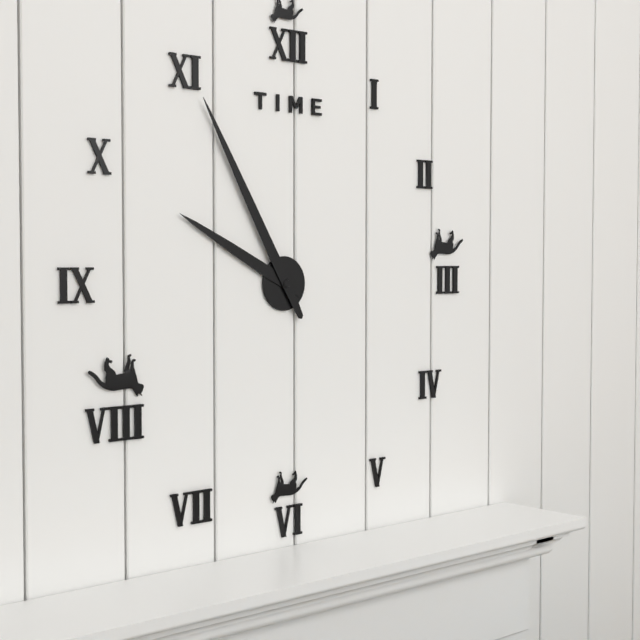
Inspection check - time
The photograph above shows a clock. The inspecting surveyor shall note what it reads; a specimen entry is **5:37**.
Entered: **9:55**
